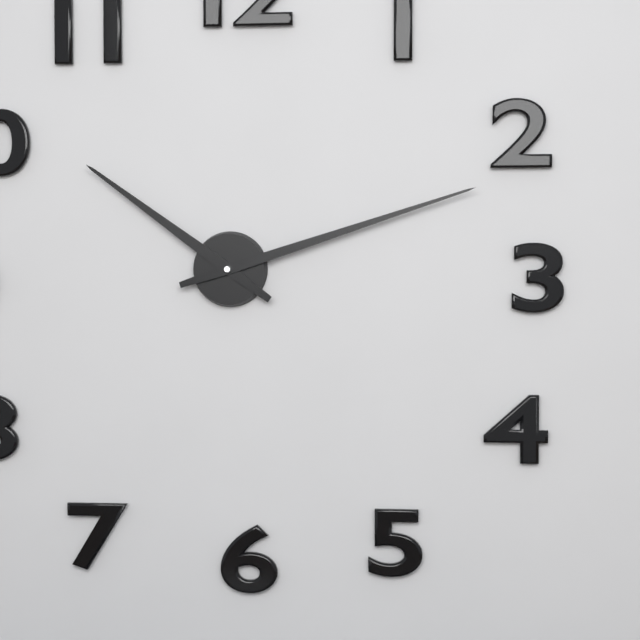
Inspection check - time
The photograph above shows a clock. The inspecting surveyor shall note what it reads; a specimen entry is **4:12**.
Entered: **10:12**
